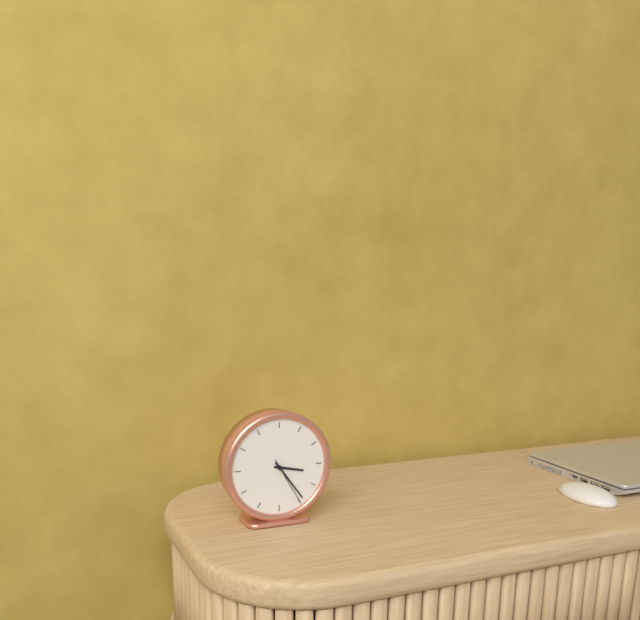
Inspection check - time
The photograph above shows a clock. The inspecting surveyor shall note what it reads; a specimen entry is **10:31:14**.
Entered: **3:24:25**
